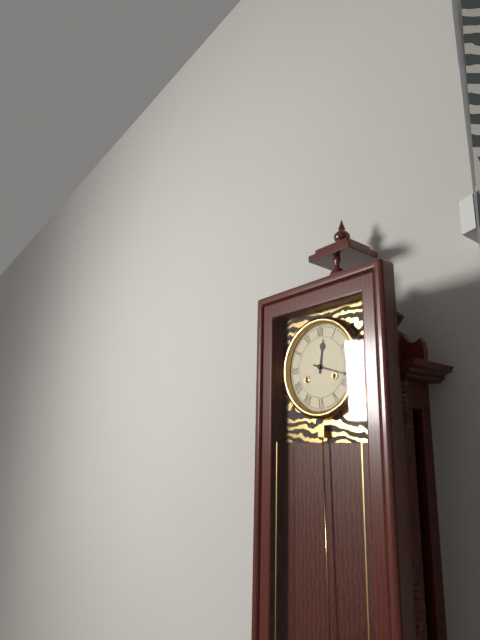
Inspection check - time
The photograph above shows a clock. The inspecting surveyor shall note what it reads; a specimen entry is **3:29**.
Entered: **12:18**
